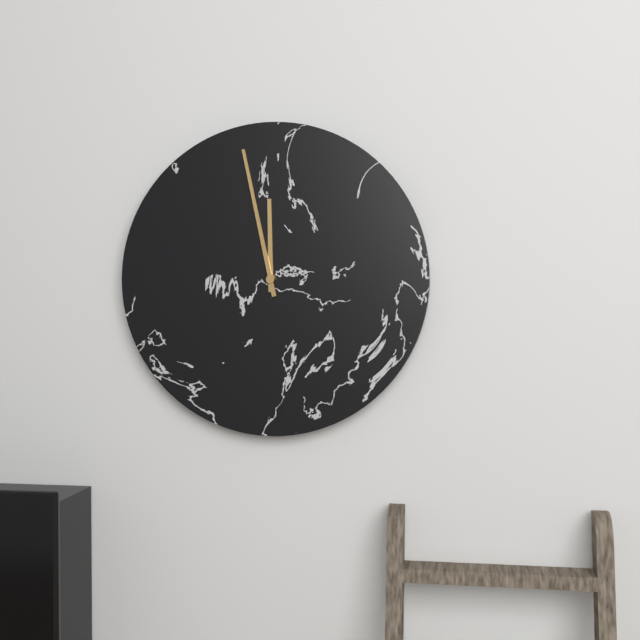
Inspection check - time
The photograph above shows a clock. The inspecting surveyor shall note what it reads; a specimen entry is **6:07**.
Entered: **11:58**
